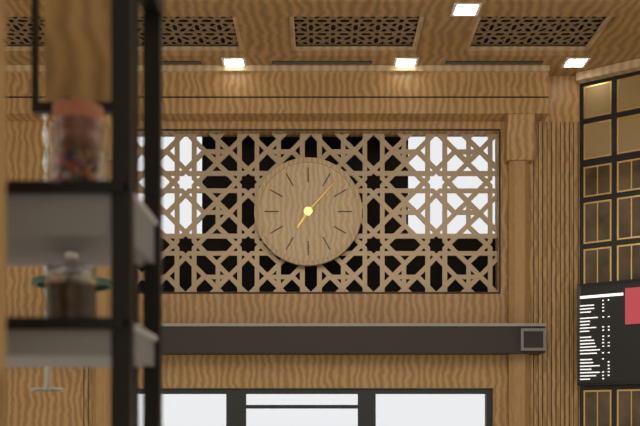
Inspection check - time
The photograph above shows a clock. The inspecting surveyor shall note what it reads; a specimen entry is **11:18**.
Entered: **7:07**
